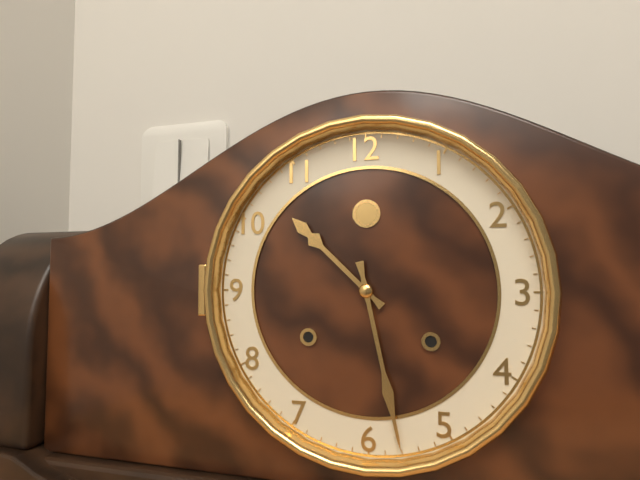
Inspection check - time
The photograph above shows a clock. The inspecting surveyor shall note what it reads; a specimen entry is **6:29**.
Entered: **10:28**
